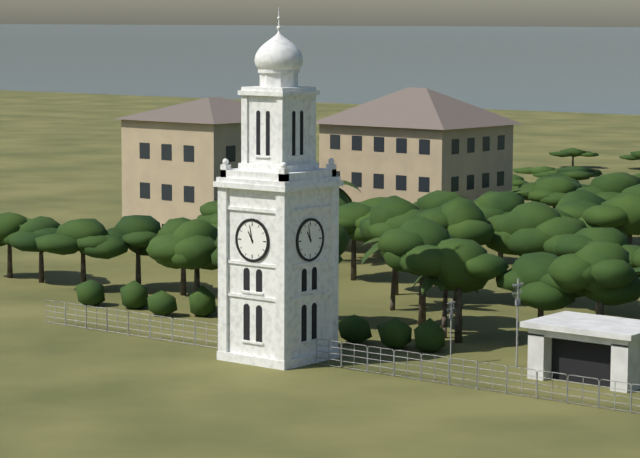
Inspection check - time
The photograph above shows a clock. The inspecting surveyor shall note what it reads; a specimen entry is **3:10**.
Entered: **10:58**
